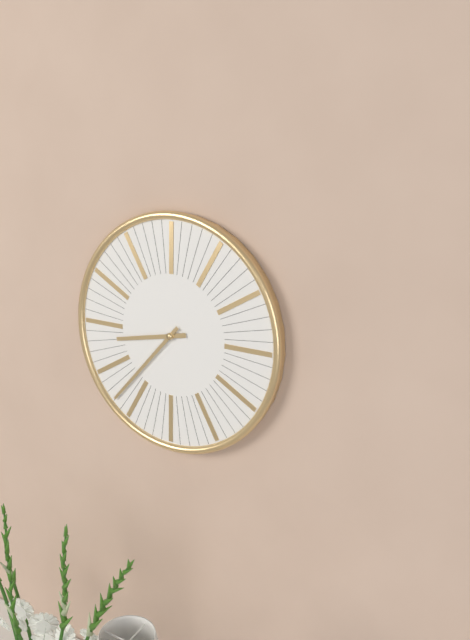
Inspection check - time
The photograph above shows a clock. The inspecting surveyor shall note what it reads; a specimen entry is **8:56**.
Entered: **8:37**
